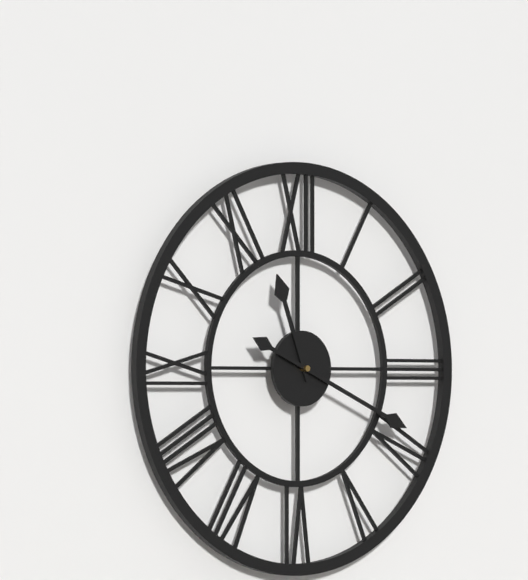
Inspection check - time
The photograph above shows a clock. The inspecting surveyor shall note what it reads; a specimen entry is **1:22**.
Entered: **11:19**
